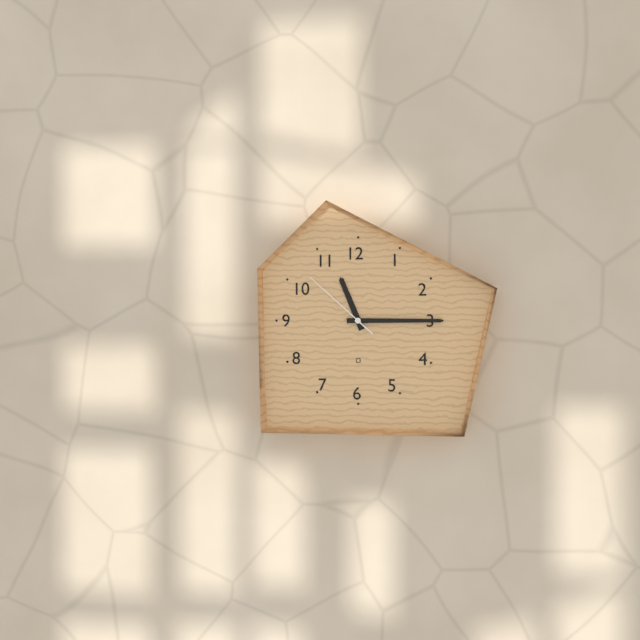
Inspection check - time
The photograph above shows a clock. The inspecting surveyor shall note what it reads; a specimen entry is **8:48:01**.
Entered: **11:15:52**
